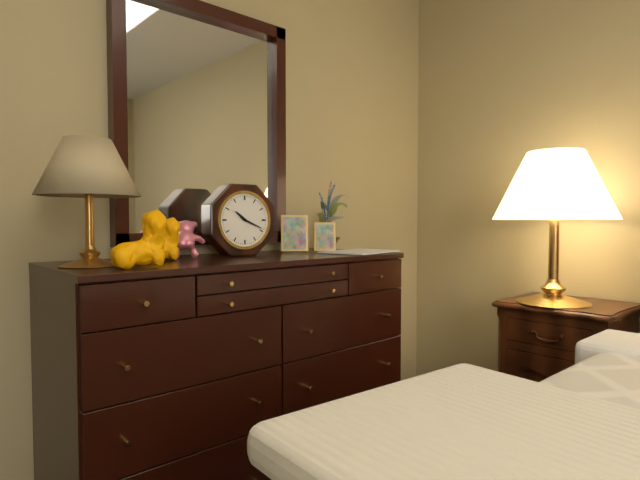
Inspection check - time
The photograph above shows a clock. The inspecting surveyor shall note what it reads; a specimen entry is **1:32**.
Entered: **10:19**
